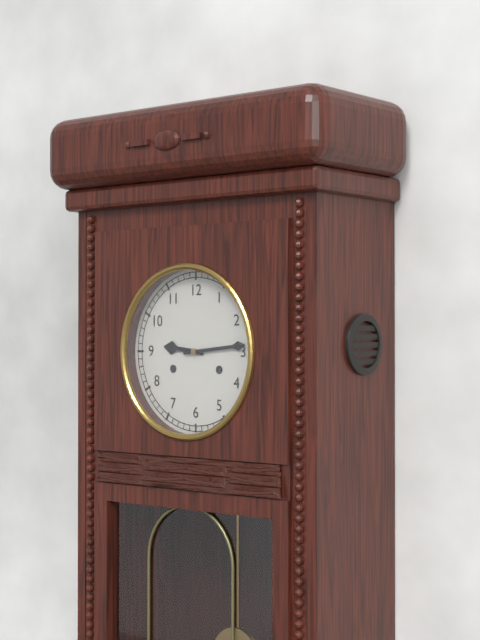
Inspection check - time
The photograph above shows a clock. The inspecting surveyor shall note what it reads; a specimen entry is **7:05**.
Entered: **9:14**
